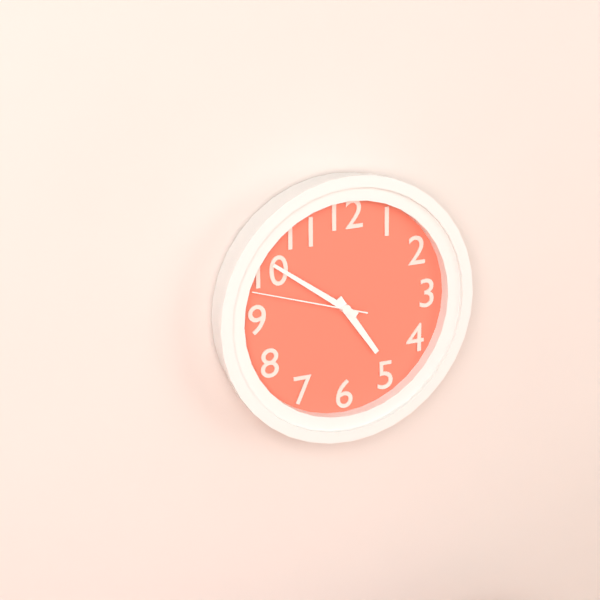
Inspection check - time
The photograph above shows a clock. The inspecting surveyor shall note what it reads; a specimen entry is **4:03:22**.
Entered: **4:51:48**
